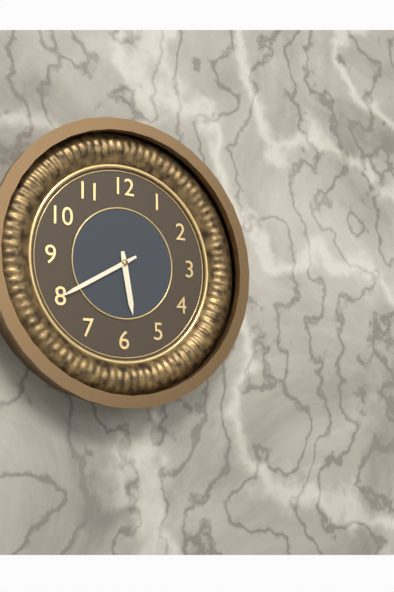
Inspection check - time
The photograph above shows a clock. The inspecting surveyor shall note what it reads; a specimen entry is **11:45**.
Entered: **5:40**
